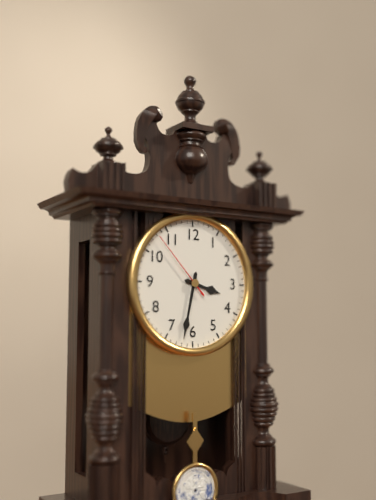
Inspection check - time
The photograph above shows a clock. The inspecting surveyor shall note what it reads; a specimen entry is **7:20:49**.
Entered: **3:32:53**
